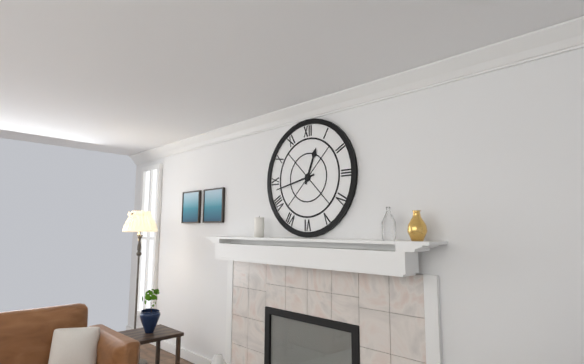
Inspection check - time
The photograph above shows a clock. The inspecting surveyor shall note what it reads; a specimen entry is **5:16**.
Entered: **12:43**
